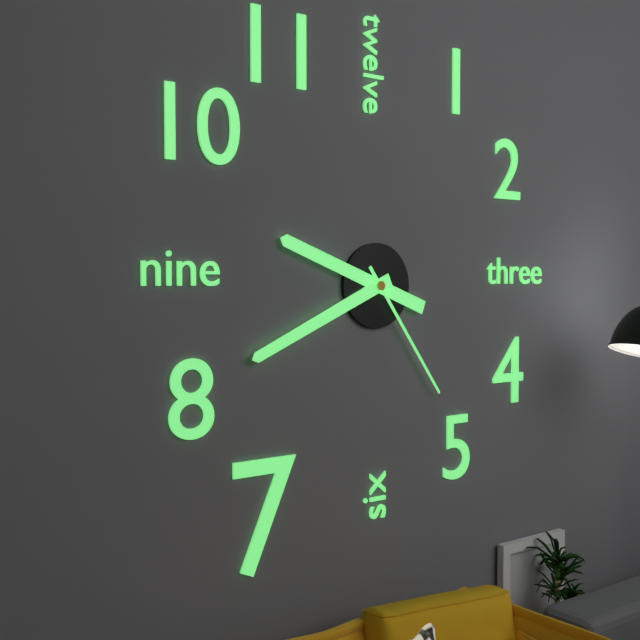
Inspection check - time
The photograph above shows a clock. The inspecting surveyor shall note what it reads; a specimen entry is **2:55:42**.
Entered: **9:41:24**
